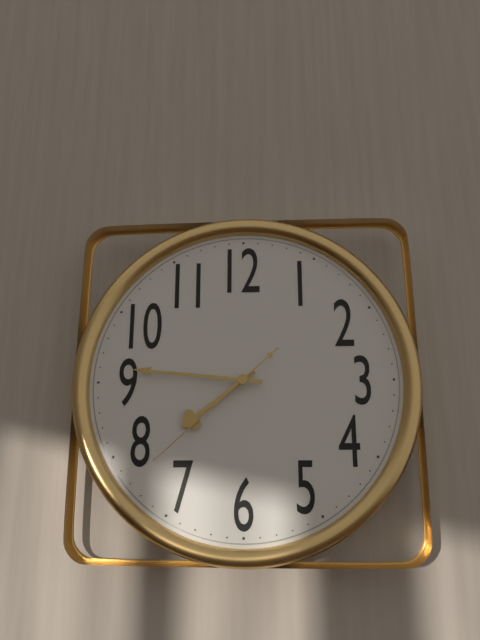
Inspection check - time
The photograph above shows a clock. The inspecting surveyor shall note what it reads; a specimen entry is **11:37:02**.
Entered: **7:46:38**
